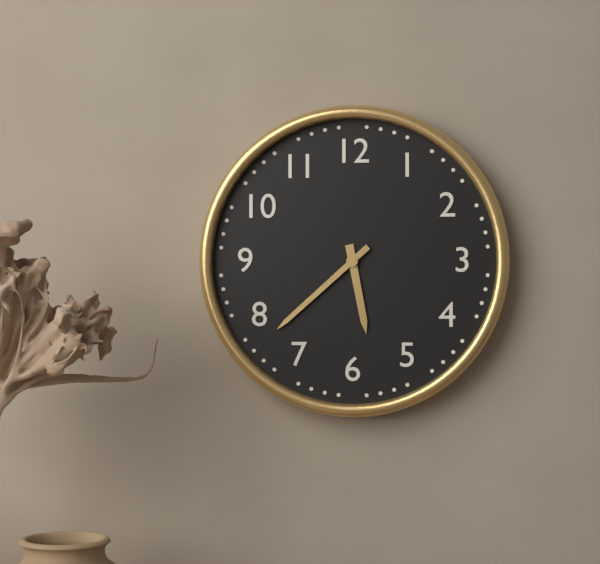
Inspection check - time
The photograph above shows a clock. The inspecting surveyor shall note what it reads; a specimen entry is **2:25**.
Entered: **5:38**
